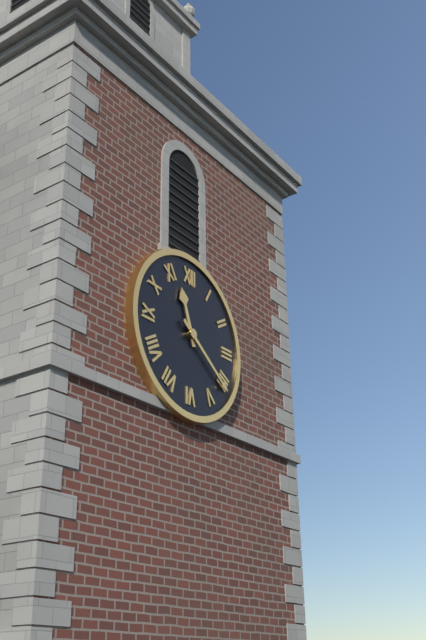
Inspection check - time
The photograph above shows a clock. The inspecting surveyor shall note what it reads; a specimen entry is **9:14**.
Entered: **11:21**
